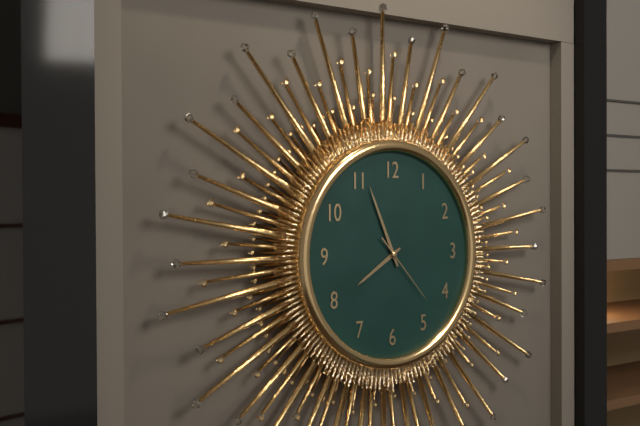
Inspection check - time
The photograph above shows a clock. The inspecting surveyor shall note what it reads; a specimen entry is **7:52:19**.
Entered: **7:56:23**
